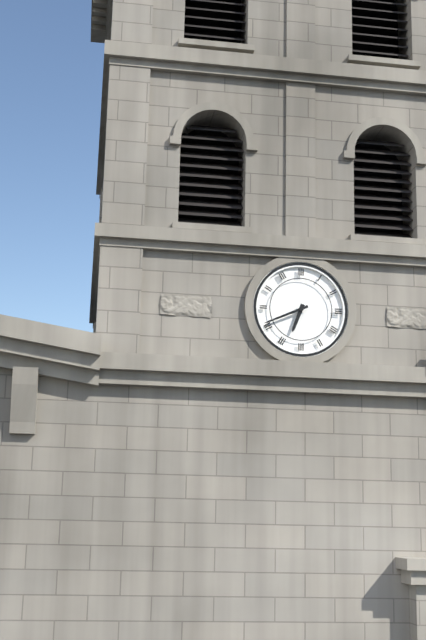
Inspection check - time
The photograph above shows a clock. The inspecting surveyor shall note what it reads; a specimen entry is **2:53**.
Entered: **6:41**
